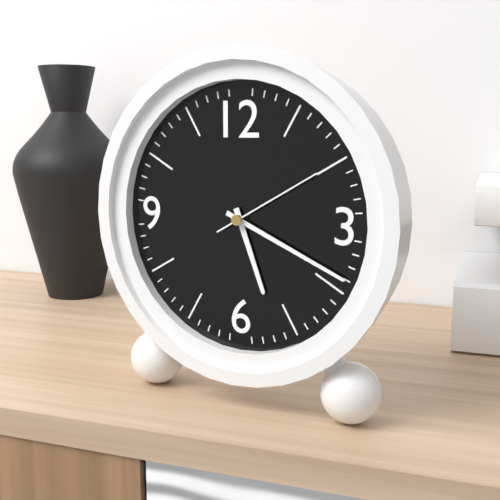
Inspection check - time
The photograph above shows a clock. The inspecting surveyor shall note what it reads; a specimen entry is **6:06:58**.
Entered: **5:19:10**
